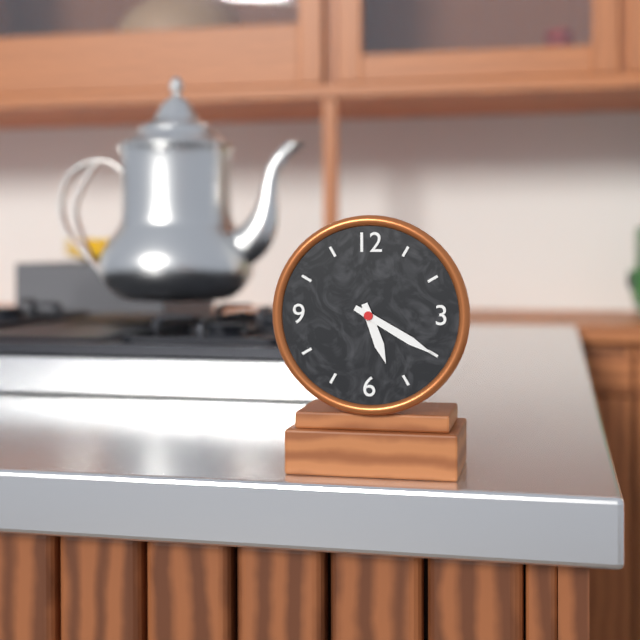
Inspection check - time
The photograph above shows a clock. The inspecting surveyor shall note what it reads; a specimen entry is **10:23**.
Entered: **5:20**
